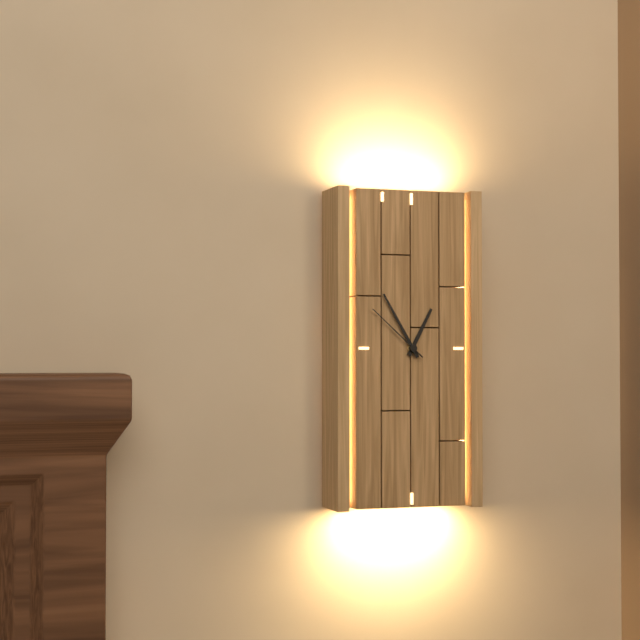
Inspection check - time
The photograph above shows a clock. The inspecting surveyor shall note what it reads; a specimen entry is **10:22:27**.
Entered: **12:55:52**
